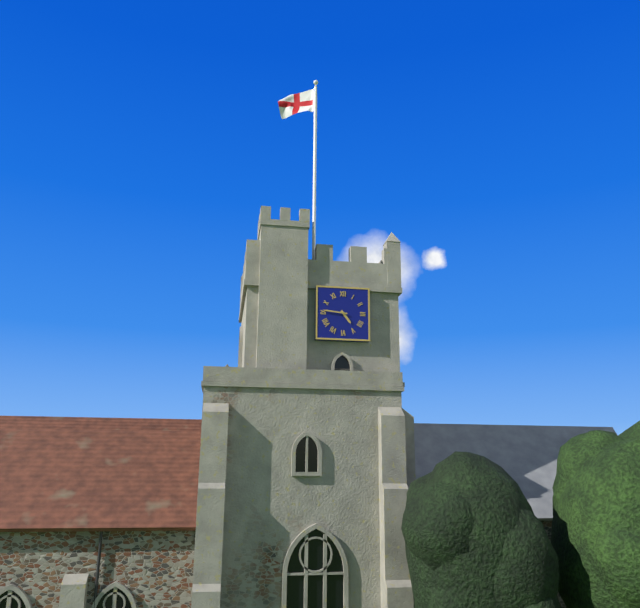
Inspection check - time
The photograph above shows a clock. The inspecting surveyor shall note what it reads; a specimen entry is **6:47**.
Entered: **4:46**
